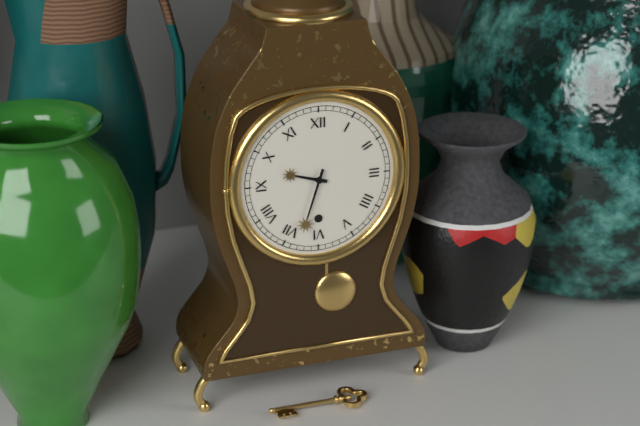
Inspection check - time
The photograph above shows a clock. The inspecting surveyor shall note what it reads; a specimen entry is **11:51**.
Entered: **9:33**
